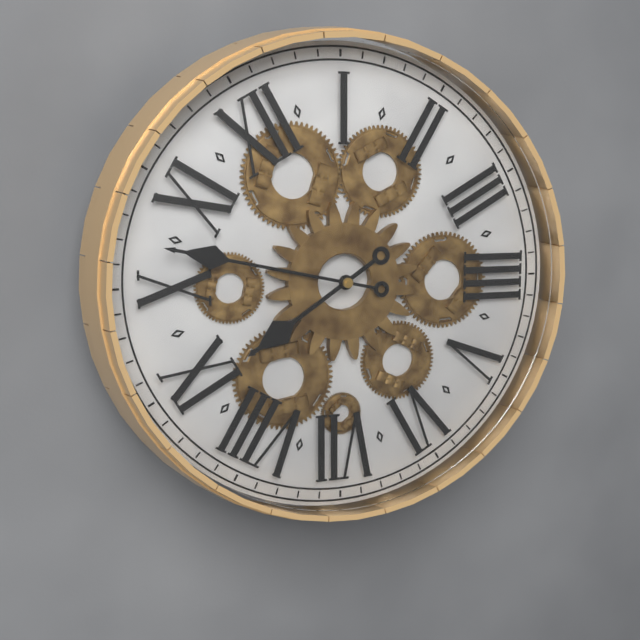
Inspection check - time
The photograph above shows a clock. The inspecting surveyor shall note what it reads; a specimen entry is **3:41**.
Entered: **8:52**
